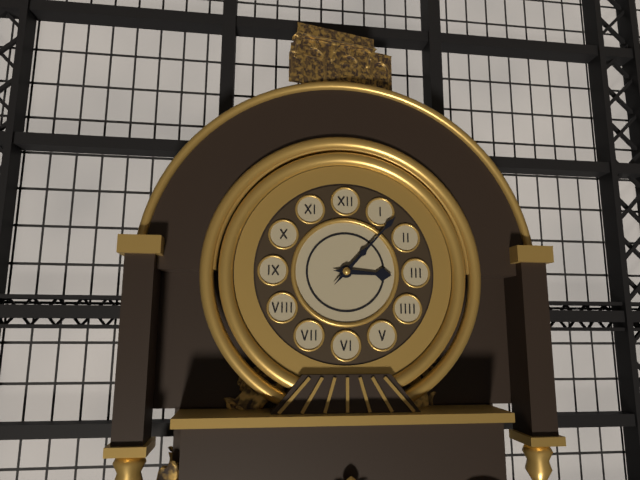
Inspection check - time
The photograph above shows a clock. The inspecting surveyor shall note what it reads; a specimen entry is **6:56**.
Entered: **3:07**
